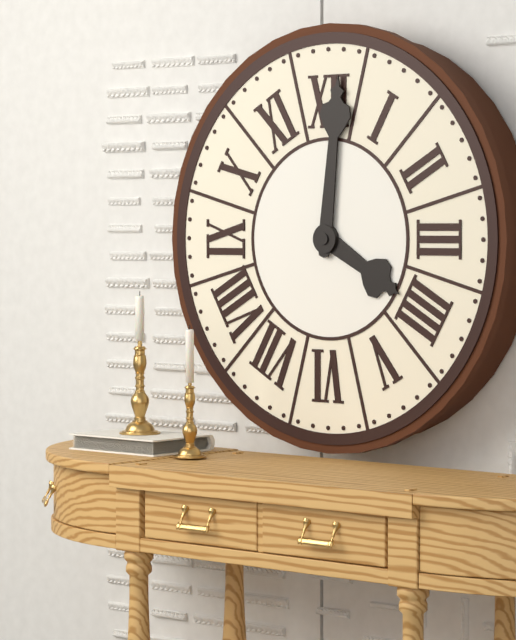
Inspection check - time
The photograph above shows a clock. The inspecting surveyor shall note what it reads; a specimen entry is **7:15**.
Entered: **4:01**
